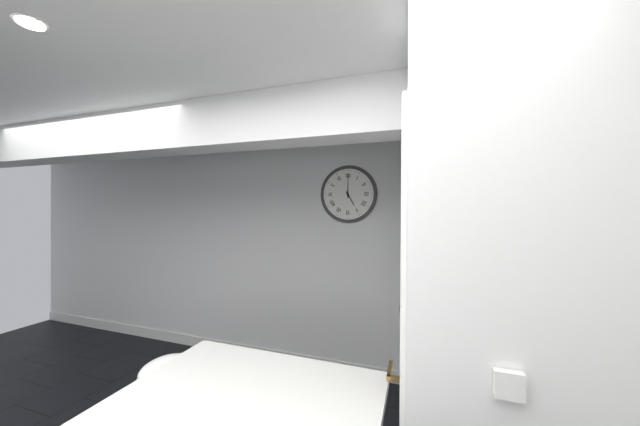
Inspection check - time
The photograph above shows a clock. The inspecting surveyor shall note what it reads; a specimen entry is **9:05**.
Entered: **5:00**
